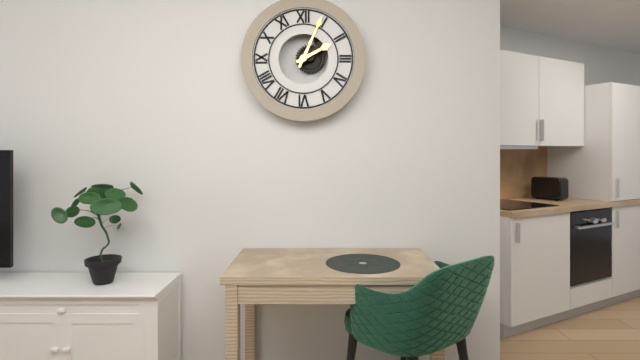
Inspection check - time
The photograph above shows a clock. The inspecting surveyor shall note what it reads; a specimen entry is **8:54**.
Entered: **2:04**
